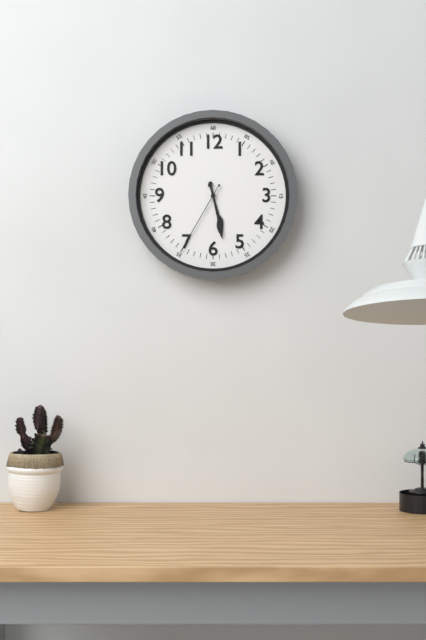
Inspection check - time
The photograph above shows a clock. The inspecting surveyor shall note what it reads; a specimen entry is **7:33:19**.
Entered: **5:28:35**
